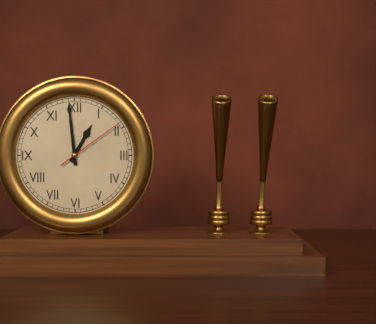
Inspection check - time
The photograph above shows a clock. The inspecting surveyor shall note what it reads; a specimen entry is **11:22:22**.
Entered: **12:59:09**
